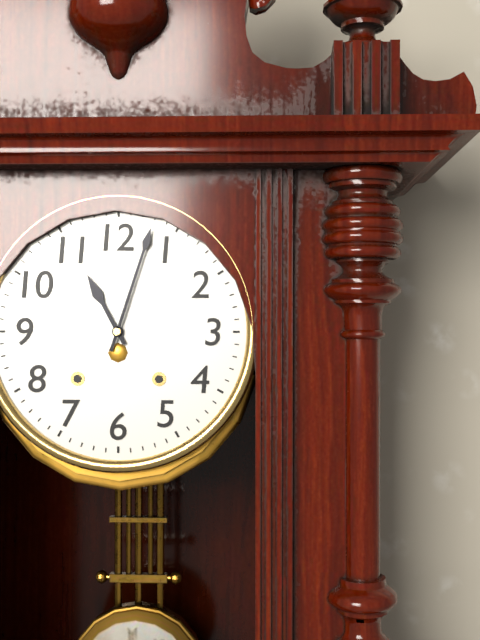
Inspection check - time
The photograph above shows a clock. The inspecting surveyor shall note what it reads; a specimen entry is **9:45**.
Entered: **11:03**
